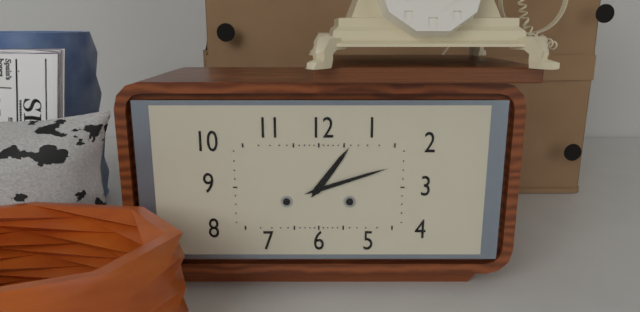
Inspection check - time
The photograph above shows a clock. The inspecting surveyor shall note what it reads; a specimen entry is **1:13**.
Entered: **1:12**
